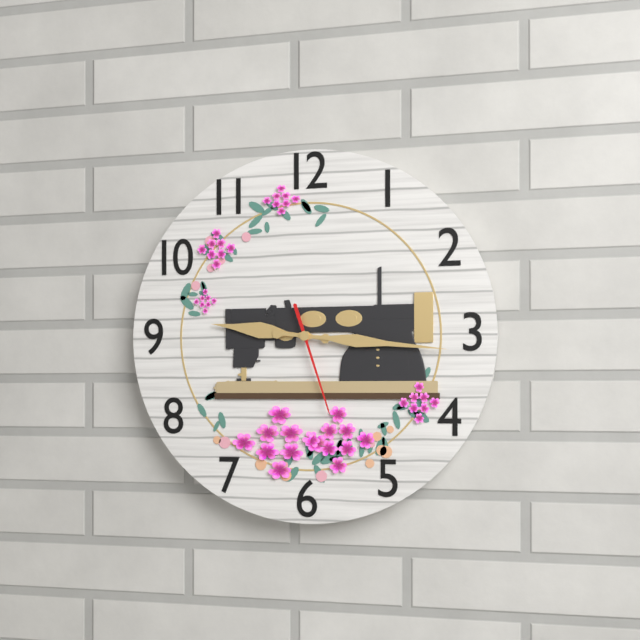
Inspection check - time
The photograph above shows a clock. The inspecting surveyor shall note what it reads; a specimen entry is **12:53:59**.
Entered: **9:16:27**
